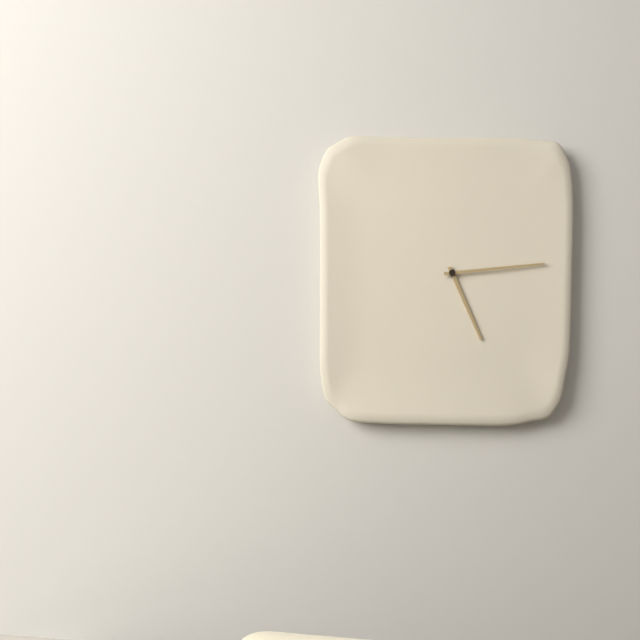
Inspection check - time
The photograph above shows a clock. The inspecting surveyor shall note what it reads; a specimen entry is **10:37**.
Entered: **5:14**
